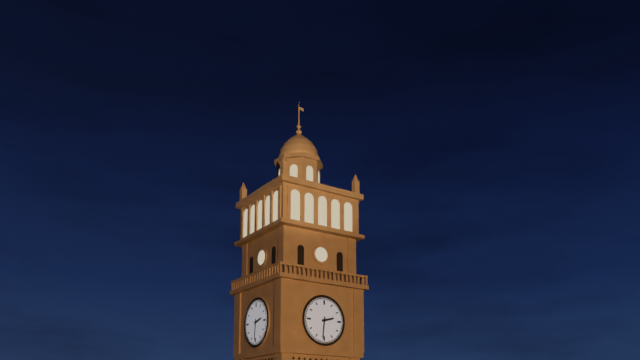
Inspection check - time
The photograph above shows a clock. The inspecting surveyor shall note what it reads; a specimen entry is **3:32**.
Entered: **2:31**
